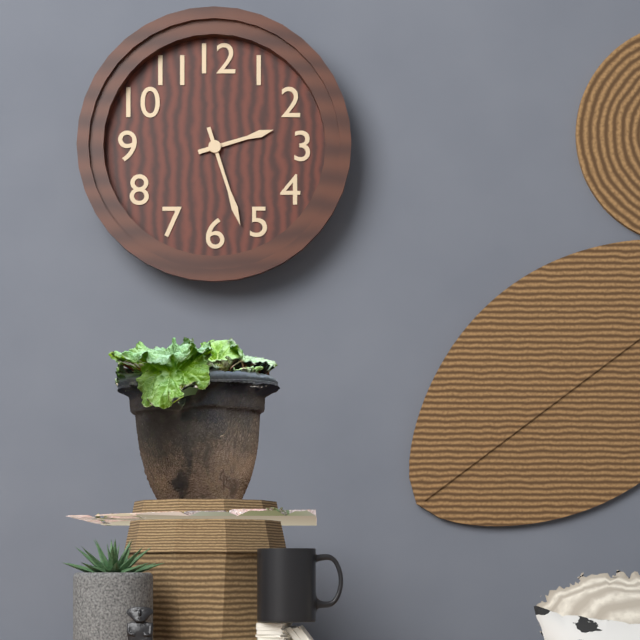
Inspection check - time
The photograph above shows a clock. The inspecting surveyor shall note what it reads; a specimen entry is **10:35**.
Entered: **2:27**
